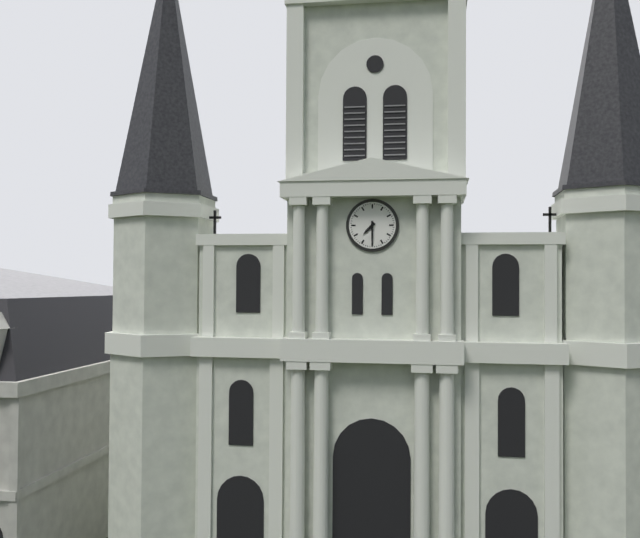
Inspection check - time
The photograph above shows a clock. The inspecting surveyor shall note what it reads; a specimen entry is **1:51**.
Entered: **7:30**
